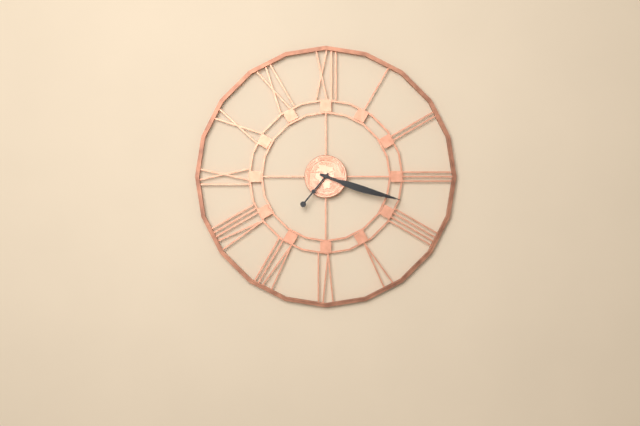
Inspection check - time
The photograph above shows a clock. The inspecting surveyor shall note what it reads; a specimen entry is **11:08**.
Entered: **7:18**
